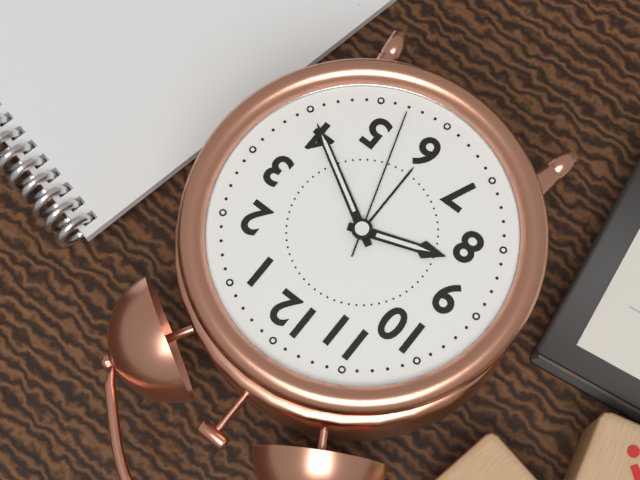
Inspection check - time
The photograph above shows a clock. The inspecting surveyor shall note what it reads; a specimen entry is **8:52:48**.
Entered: **8:20:27**
